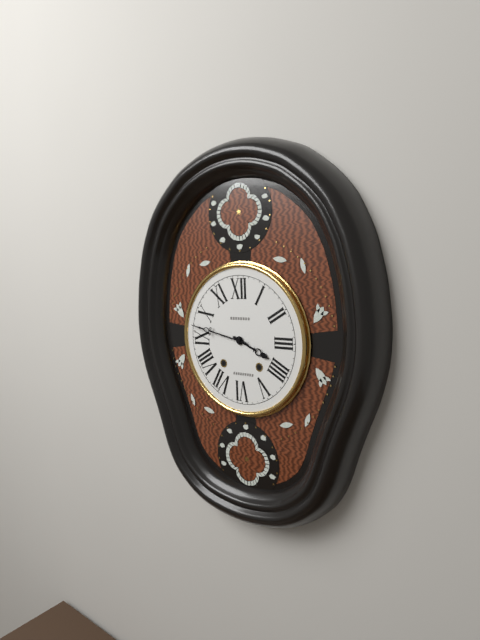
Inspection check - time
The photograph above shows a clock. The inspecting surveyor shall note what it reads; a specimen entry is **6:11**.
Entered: **3:47**
